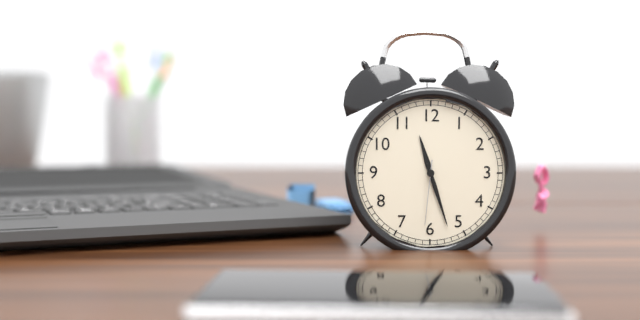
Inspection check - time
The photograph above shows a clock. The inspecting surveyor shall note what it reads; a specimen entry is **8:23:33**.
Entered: **11:27:31**
